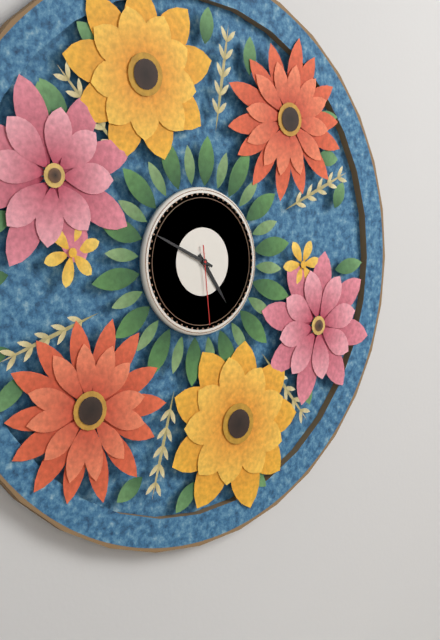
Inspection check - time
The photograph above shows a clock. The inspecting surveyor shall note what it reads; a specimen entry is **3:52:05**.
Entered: **4:49:29**
